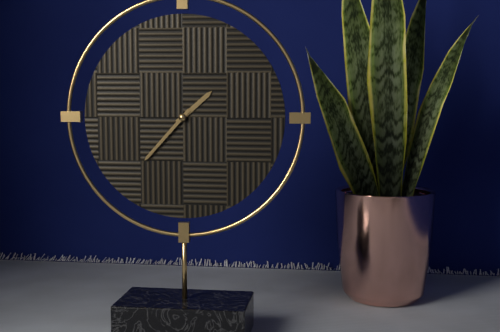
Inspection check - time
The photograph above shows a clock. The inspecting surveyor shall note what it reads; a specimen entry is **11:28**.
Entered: **1:37**
